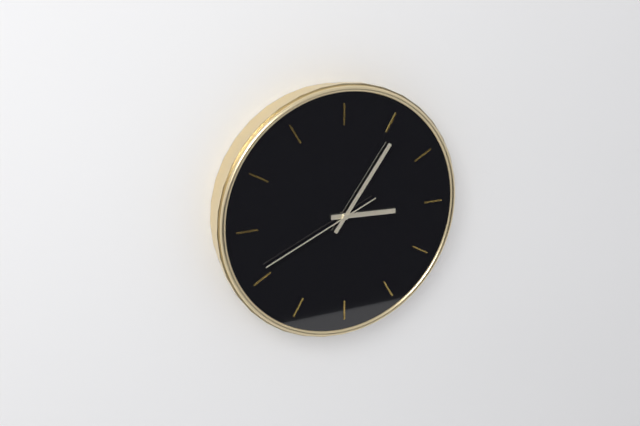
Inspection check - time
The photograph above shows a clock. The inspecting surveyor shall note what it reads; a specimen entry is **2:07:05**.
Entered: **3:06:41**
